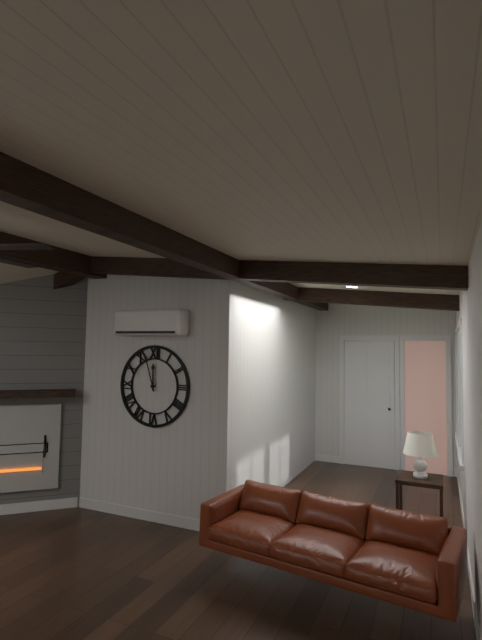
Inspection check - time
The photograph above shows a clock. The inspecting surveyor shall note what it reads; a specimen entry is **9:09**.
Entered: **11:57**
